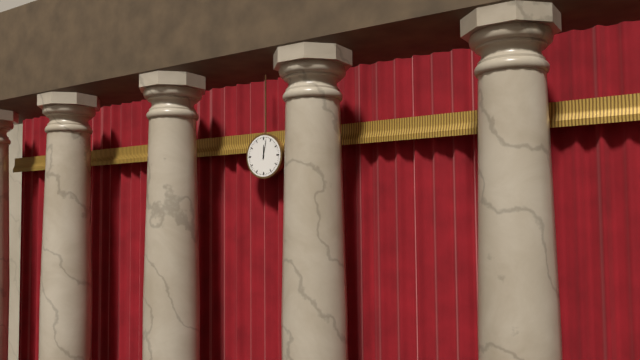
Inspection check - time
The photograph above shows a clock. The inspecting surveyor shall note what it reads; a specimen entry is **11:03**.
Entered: **12:02**
